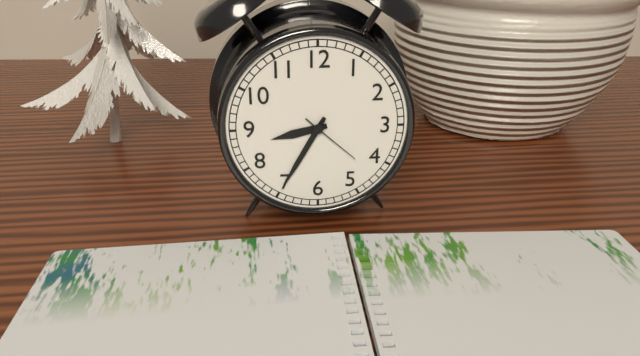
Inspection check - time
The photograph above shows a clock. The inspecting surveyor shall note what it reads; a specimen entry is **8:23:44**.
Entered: **8:35:22**
